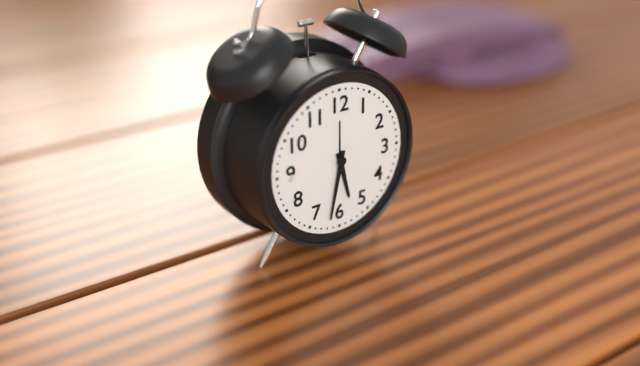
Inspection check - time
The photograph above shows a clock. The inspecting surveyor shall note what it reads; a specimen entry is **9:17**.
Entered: **5:32**
